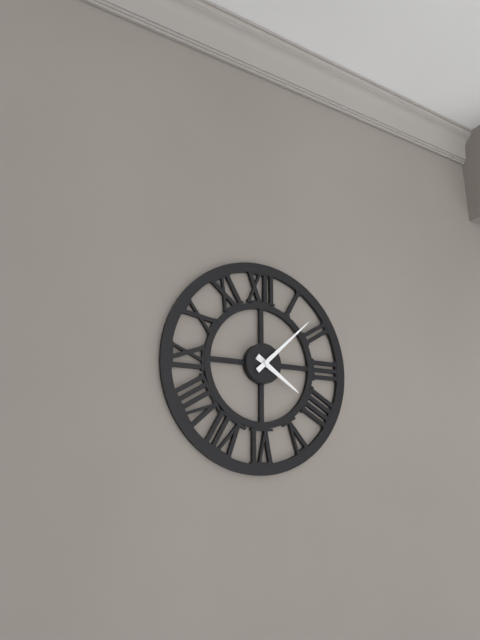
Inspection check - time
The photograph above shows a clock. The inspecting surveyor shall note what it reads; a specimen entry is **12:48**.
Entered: **4:08**
